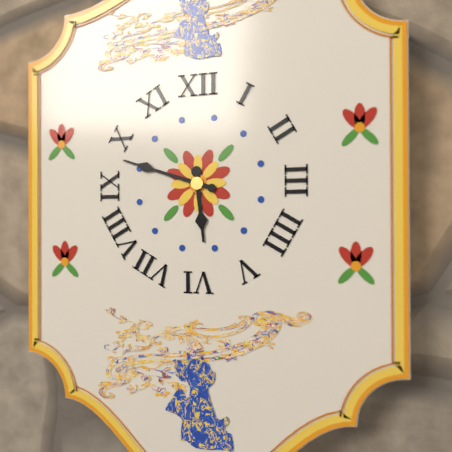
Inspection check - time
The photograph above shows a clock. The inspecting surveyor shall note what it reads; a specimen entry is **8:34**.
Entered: **5:48**
